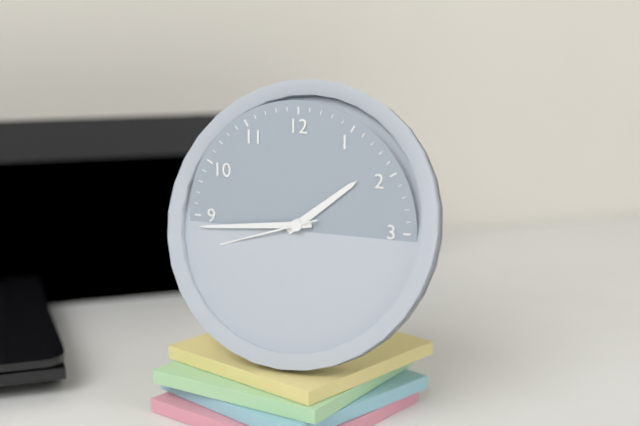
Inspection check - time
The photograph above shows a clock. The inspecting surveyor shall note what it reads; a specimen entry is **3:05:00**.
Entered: **1:44:42**
